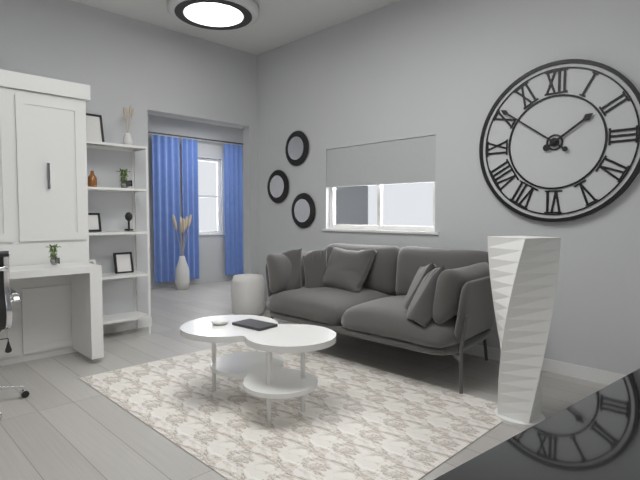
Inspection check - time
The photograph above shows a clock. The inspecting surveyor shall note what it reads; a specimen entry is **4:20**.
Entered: **1:51**
